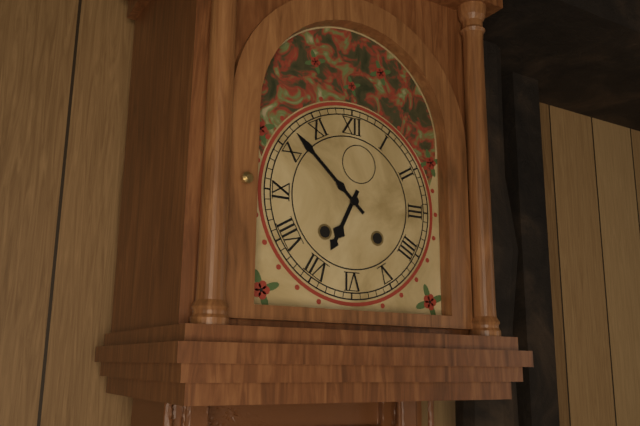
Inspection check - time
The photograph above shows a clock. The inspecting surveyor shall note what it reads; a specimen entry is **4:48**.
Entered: **6:52**
